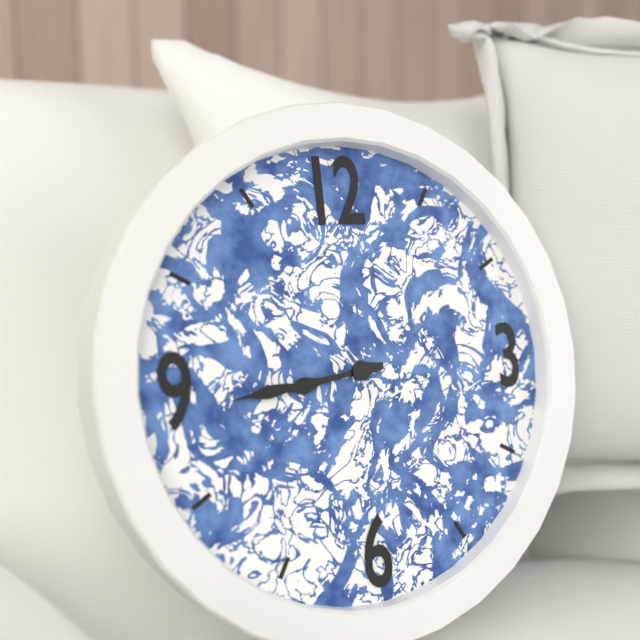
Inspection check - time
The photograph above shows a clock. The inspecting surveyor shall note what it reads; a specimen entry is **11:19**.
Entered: **8:44**
